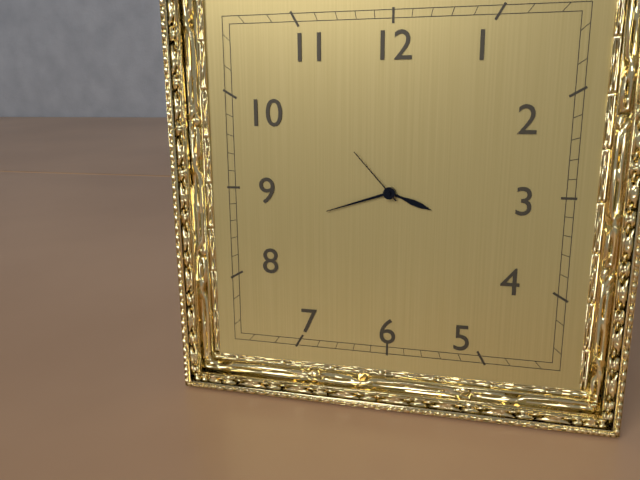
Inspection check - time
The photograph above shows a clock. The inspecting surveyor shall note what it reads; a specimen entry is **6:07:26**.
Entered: **3:42:53**
